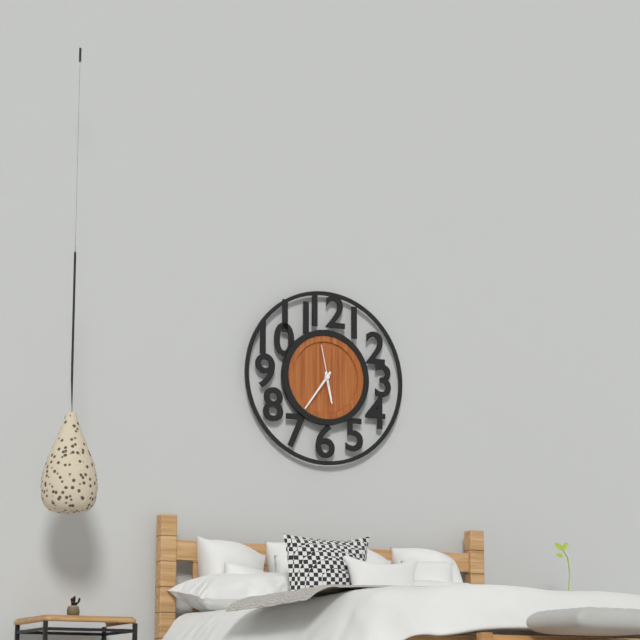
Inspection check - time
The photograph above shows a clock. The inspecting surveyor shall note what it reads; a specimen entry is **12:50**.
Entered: **5:36**
